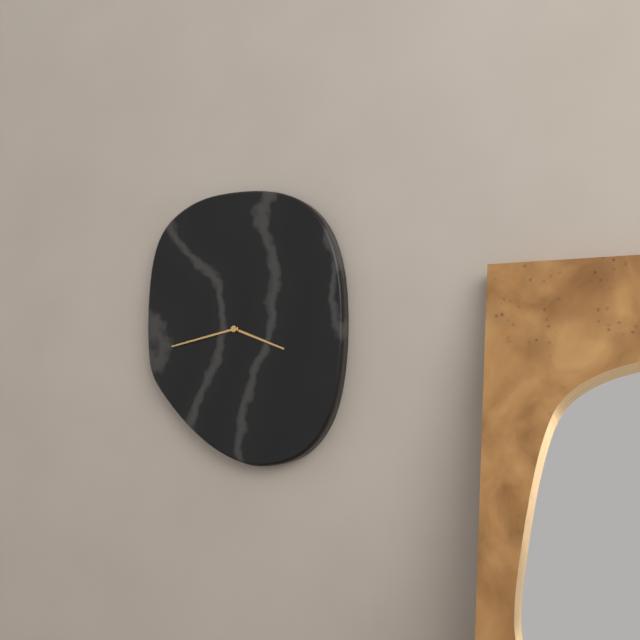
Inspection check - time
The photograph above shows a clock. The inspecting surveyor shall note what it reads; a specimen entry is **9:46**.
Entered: **3:43**
